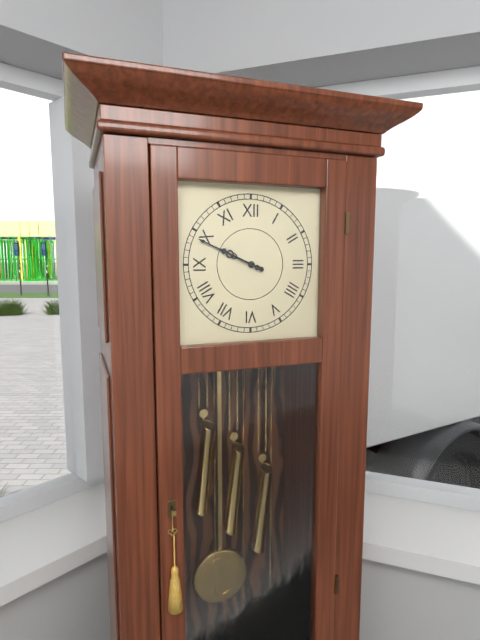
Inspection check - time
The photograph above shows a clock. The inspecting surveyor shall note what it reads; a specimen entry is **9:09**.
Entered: **9:49**
